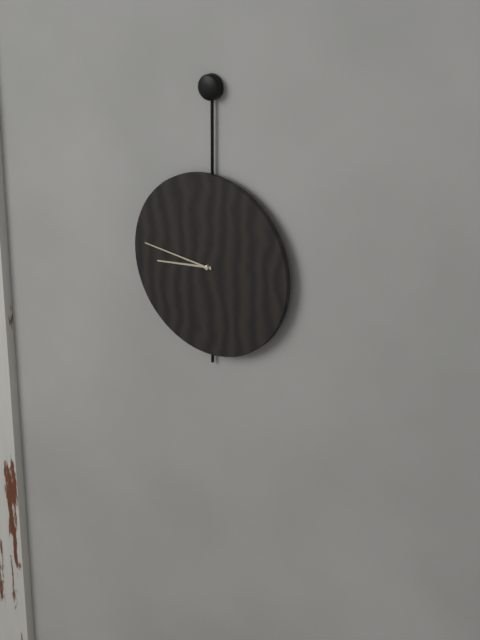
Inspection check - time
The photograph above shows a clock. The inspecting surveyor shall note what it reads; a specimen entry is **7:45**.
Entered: **8:46**
